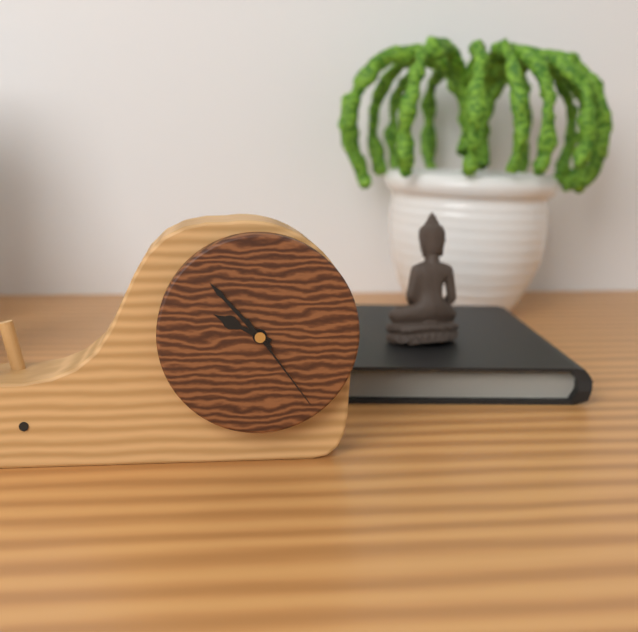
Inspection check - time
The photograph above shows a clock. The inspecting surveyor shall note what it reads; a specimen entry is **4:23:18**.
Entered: **9:53:24**
